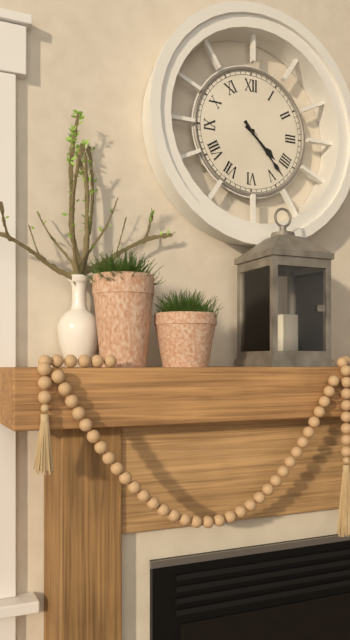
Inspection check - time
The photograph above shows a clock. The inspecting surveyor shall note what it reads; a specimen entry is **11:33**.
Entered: **4:23**
